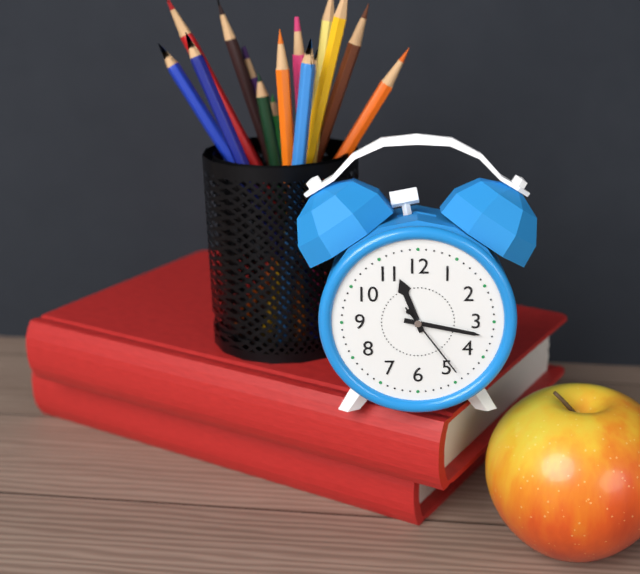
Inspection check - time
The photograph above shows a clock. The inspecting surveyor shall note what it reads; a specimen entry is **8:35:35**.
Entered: **11:17:24**
